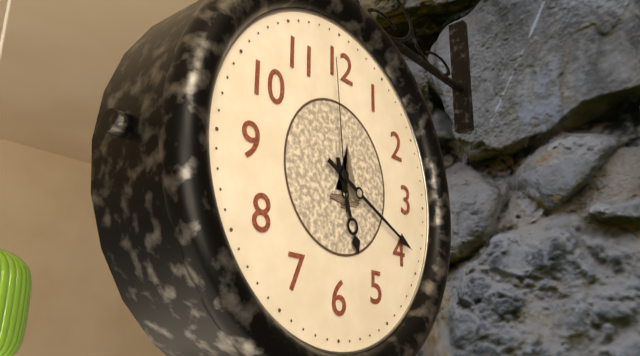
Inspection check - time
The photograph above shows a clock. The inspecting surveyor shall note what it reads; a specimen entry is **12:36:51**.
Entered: **5:19:59**
